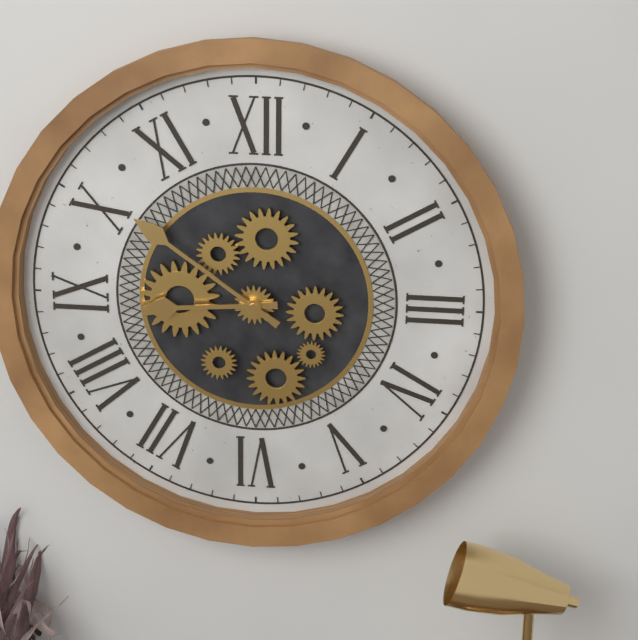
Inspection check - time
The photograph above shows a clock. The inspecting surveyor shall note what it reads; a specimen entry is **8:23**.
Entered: **8:51**
